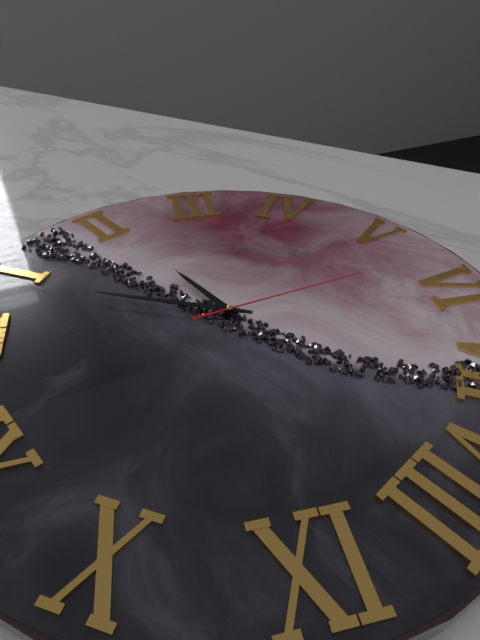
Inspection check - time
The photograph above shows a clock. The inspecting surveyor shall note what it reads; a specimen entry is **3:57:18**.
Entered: **2:04:28**
